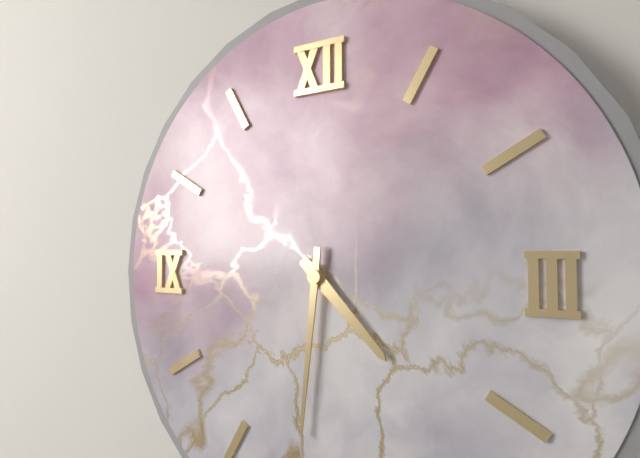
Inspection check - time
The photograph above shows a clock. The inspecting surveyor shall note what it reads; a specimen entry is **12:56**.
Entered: **4:31**
